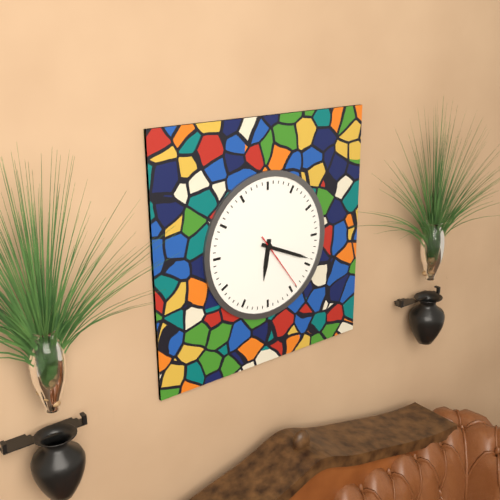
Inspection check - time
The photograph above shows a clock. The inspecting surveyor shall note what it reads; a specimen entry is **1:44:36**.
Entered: **6:19:24**
